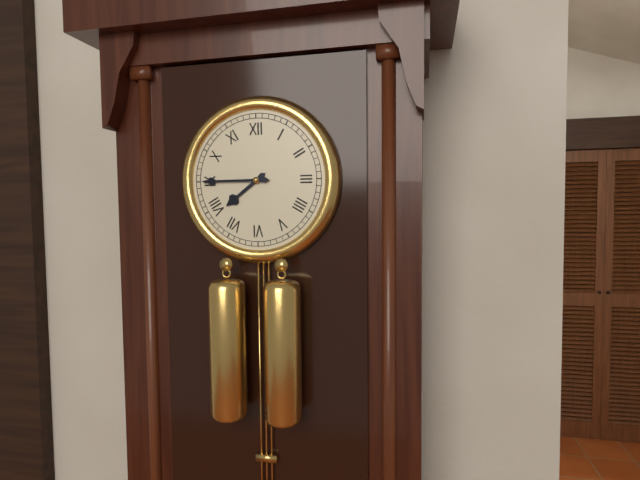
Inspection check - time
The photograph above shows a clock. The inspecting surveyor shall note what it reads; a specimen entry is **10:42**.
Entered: **7:45**
